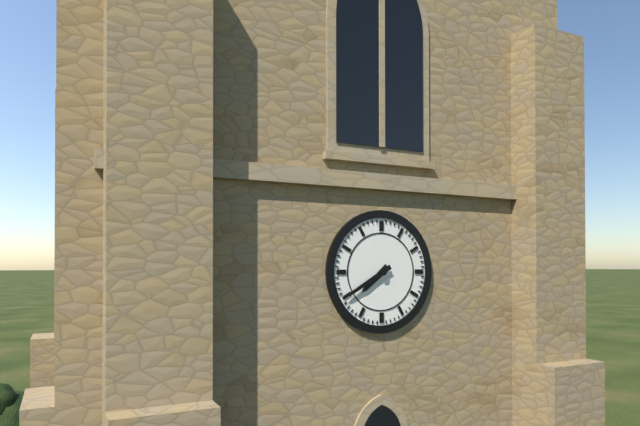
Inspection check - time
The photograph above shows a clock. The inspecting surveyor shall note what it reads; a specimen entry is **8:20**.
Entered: **7:40**
